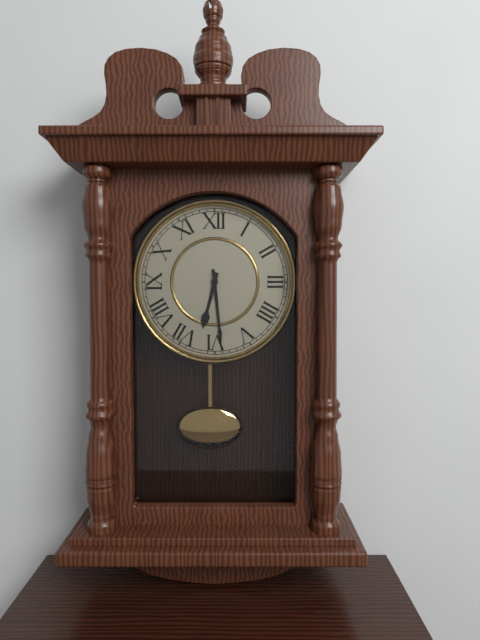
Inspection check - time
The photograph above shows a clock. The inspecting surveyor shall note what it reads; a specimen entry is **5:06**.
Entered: **6:29**
